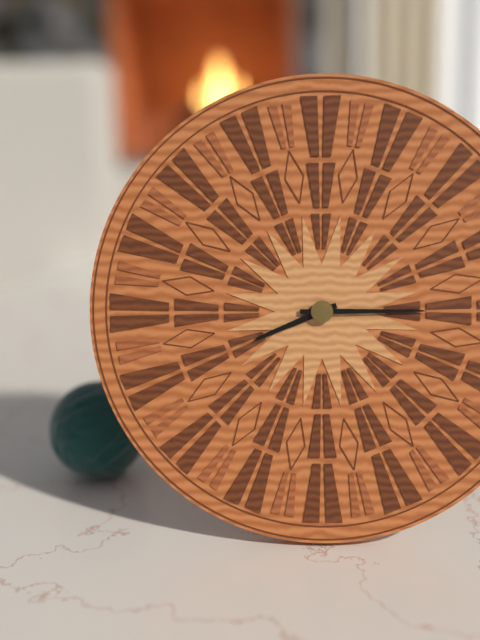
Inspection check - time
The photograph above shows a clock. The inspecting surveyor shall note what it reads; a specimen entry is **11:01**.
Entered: **8:15**
